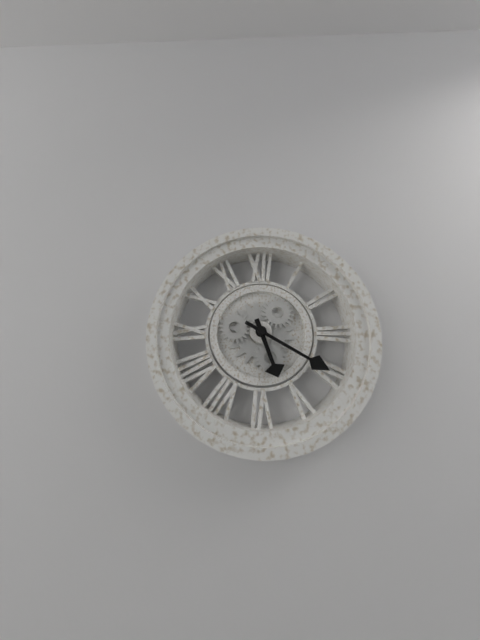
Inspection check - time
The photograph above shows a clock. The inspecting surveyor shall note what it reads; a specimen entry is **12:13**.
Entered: **5:20**
